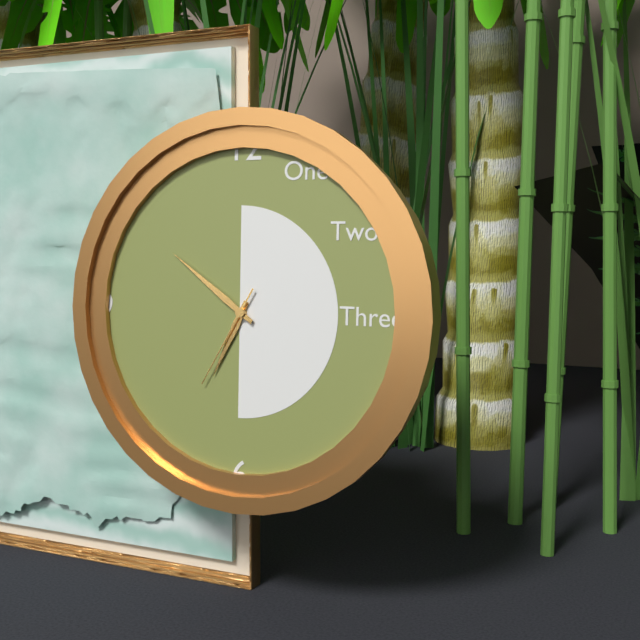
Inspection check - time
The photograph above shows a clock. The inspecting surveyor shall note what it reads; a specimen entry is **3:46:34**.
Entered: **6:51:35**
